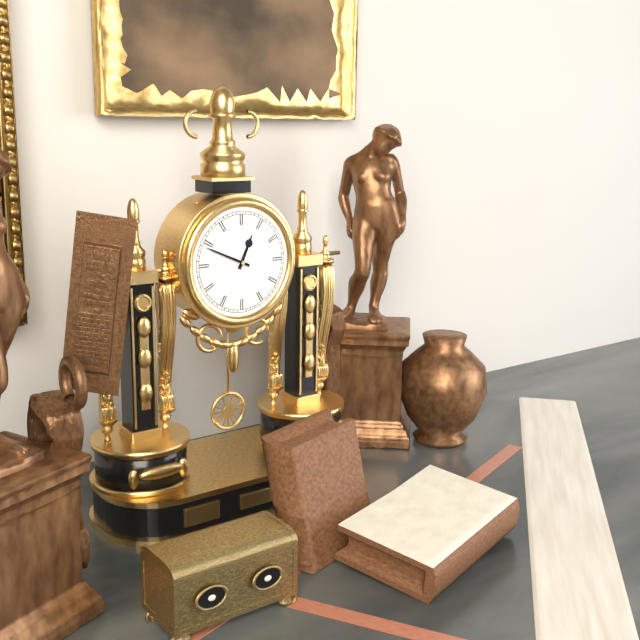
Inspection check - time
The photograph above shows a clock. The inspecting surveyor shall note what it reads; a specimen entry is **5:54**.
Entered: **12:49**
